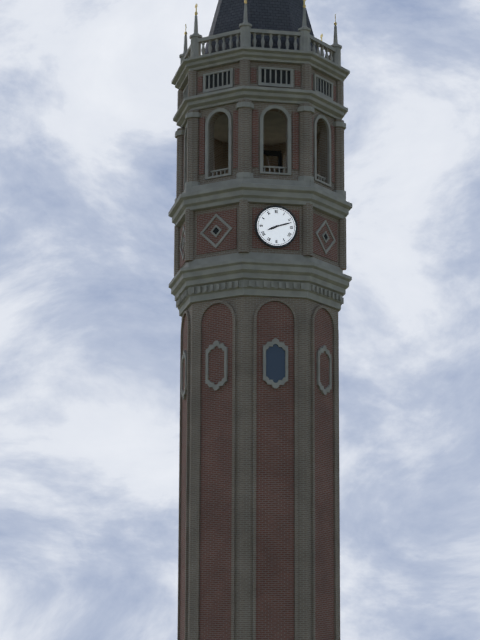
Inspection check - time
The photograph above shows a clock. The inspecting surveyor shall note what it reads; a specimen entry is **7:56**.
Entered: **8:12**
